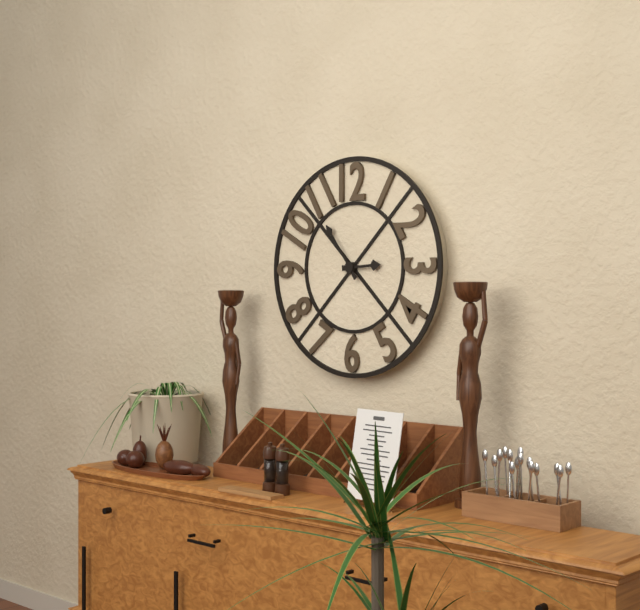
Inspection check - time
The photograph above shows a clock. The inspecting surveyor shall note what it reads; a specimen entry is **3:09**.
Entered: **2:54**
